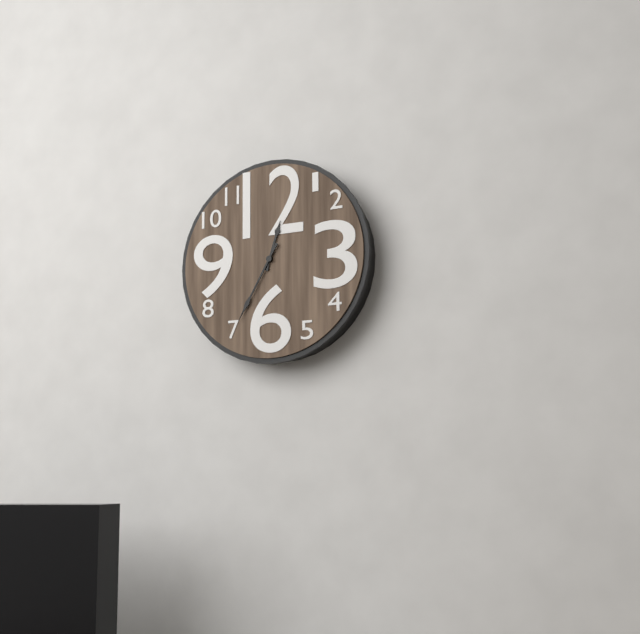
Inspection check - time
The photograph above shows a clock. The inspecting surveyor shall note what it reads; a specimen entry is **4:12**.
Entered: **12:35**
